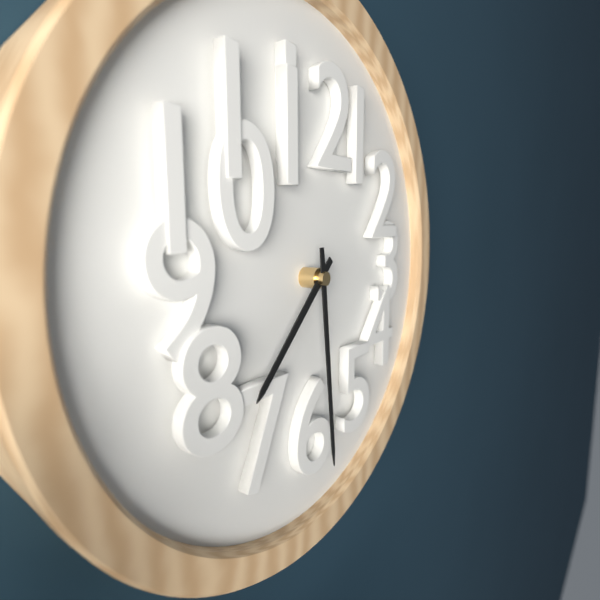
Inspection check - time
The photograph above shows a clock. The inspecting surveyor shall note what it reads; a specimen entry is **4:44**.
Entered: **7:29**
